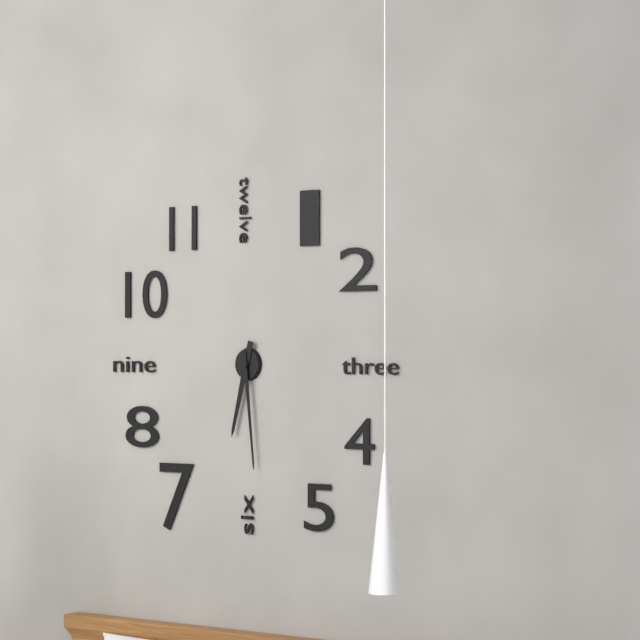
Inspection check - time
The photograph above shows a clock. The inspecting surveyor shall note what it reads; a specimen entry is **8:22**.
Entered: **6:29**
